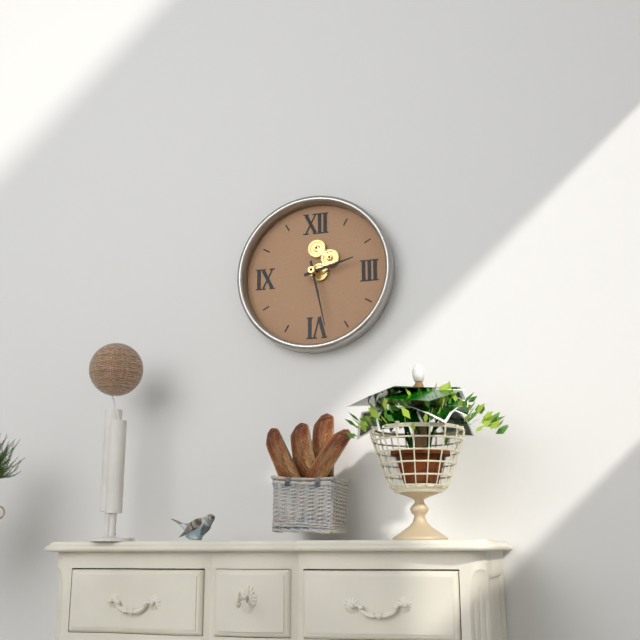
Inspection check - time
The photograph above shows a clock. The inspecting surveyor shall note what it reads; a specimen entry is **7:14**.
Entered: **2:28**
